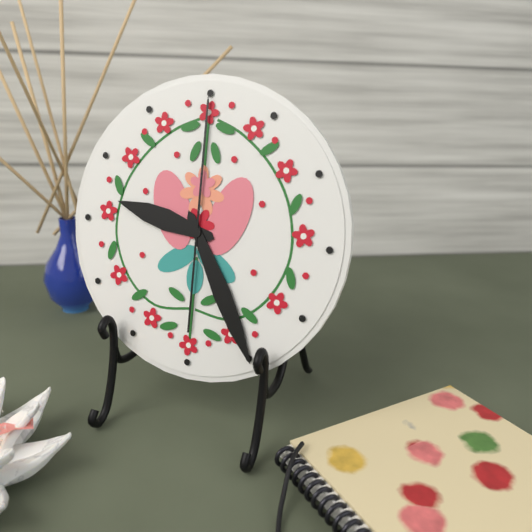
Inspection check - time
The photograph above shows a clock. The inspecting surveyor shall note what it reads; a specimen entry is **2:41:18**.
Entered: **9:25:00**
